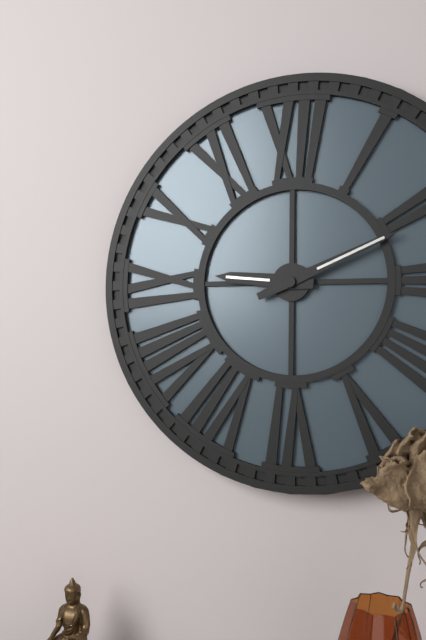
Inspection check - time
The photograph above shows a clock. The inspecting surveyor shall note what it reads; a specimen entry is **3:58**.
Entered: **9:11**
